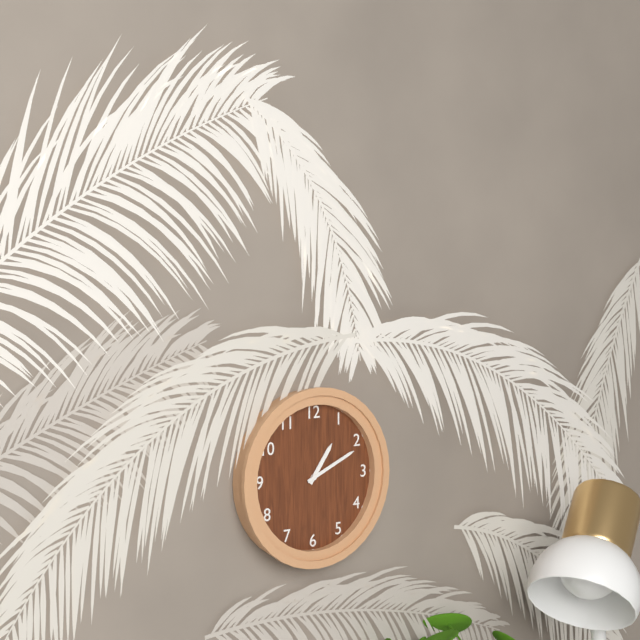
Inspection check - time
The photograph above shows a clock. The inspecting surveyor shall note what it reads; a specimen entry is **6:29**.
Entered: **1:11**
